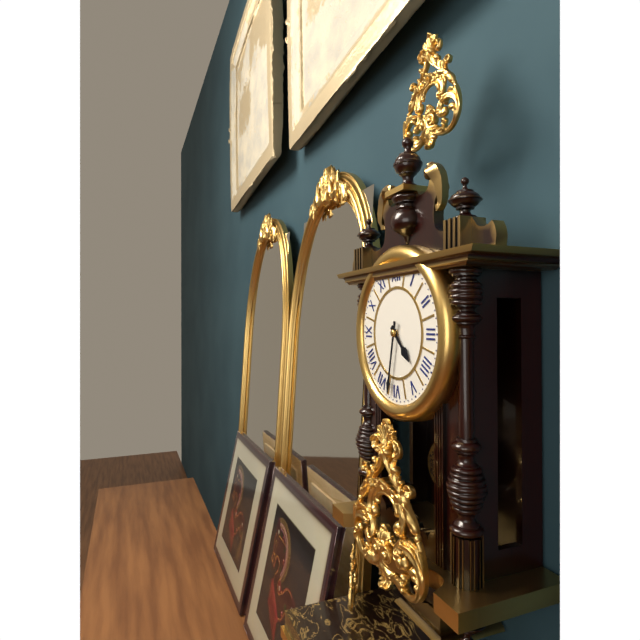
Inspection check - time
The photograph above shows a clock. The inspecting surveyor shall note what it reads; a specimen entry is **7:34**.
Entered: **4:32**
